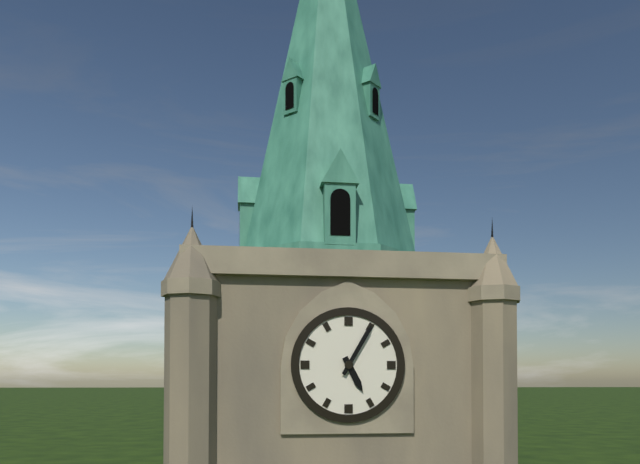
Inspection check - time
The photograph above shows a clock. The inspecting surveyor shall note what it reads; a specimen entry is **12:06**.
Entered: **5:05**
